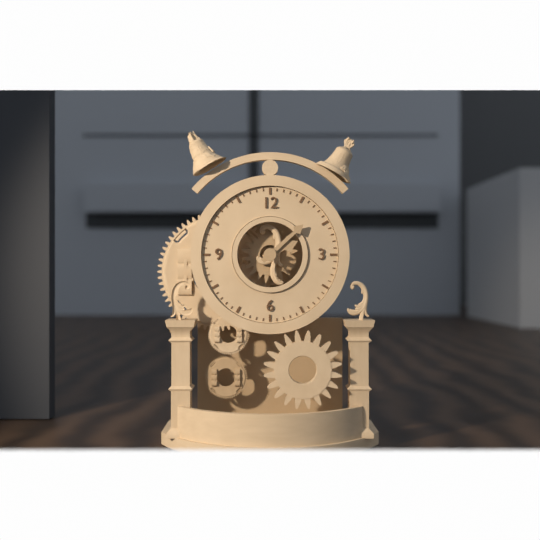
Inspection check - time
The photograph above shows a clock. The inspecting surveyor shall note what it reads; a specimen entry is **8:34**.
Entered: **2:08**
